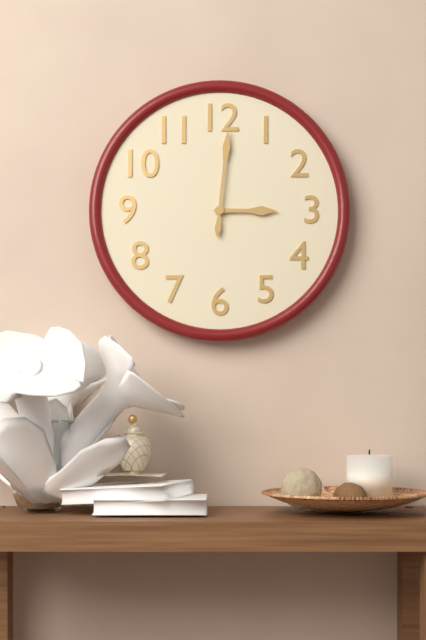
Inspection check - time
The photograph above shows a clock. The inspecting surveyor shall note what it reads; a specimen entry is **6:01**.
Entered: **3:01**
